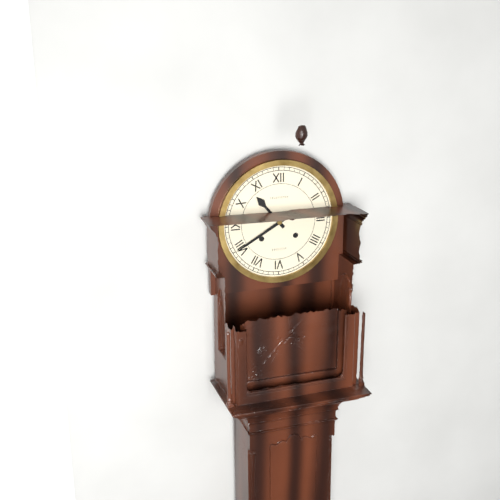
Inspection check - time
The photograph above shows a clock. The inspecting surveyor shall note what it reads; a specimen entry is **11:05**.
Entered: **10:40**
